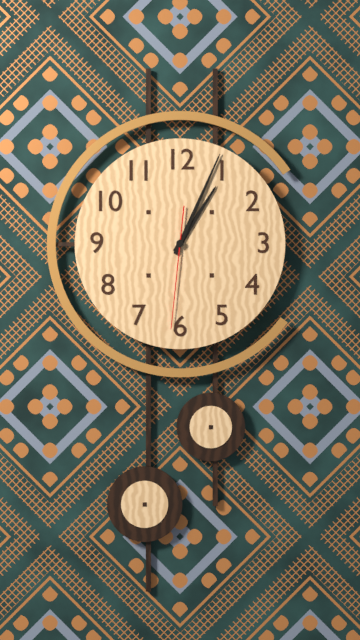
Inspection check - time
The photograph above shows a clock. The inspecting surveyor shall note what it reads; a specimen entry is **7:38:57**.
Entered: **1:04:31**
